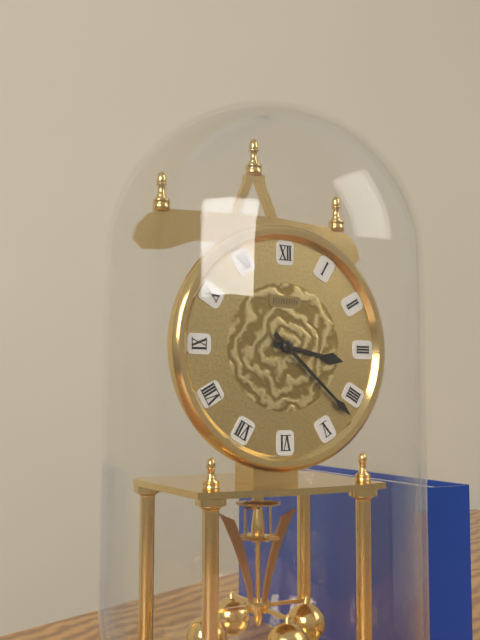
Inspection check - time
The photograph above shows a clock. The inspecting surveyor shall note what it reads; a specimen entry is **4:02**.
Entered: **3:22**
